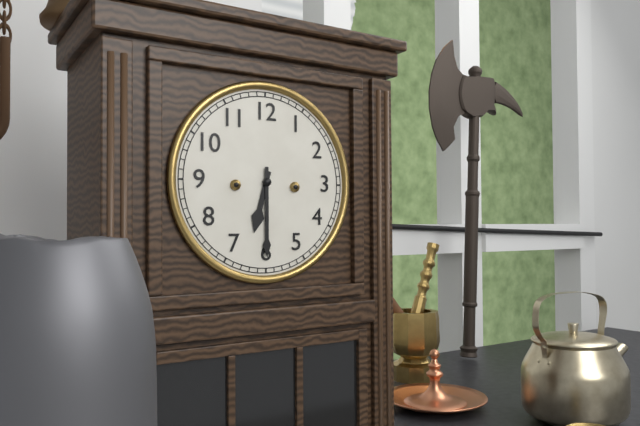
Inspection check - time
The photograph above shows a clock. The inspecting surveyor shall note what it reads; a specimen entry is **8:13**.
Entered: **6:30**
